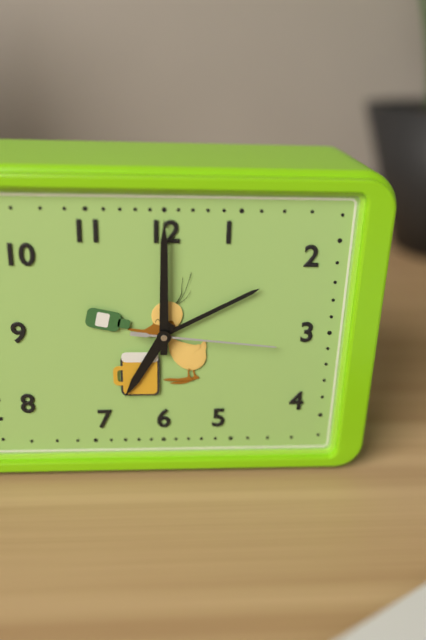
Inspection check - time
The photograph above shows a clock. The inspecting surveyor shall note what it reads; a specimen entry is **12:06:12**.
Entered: **7:00:16**
